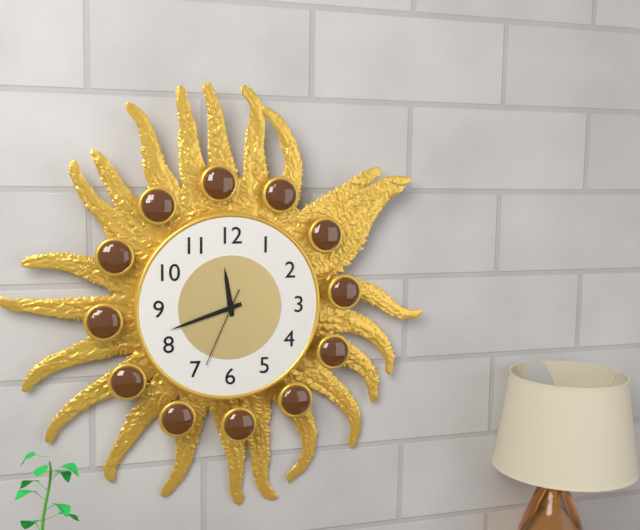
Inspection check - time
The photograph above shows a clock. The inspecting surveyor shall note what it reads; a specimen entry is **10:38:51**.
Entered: **11:42:34**
